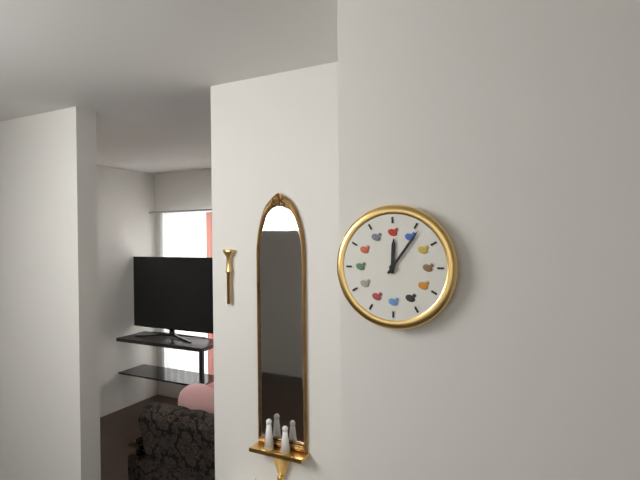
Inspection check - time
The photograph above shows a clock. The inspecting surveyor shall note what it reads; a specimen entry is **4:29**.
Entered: **12:06**
